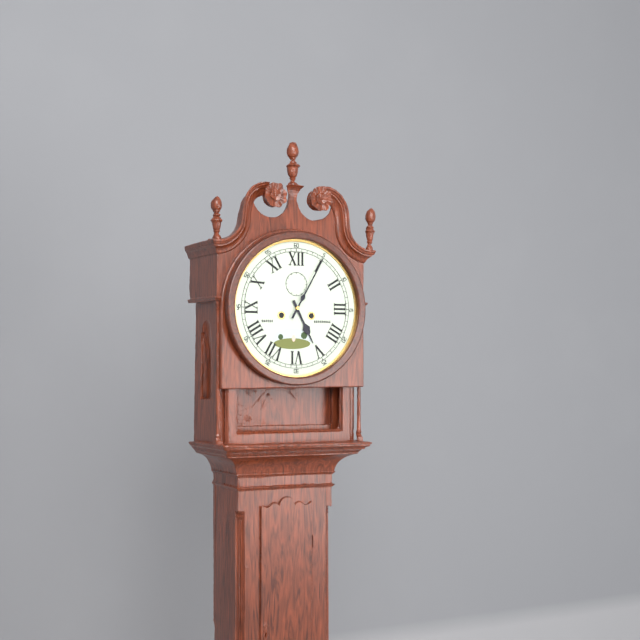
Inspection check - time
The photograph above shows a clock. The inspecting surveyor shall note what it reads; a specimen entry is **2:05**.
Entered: **5:05**
